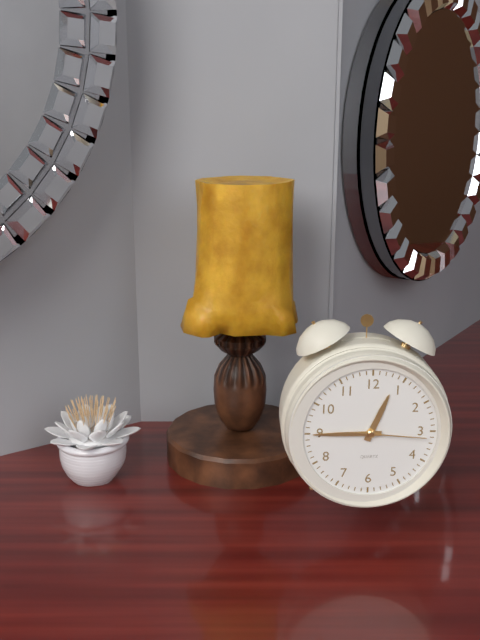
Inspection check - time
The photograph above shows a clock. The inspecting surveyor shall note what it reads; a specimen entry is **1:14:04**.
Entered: **12:45:16**
